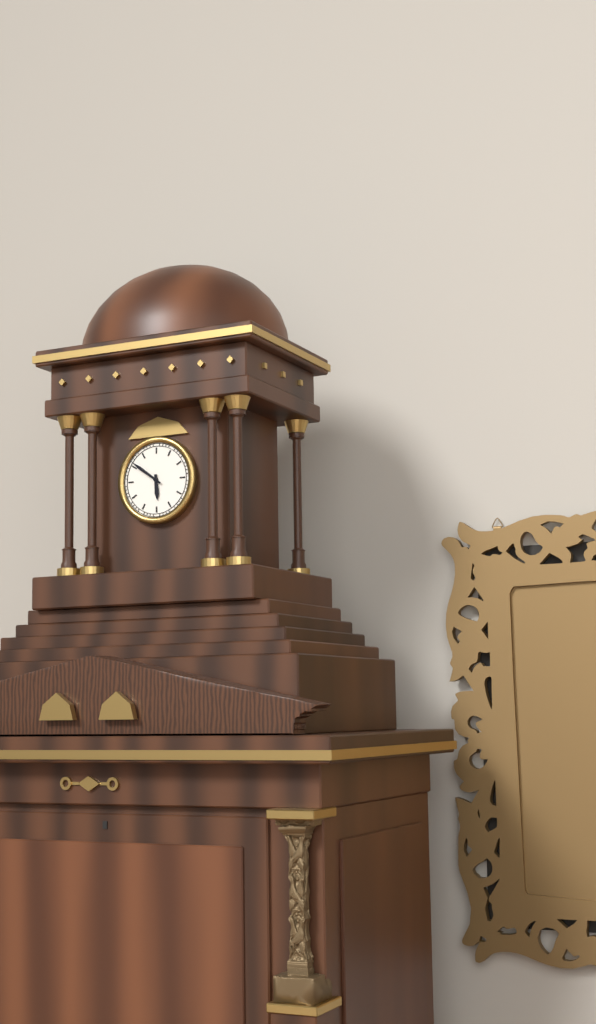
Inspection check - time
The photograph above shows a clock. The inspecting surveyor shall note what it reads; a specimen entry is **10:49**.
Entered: **5:51**
